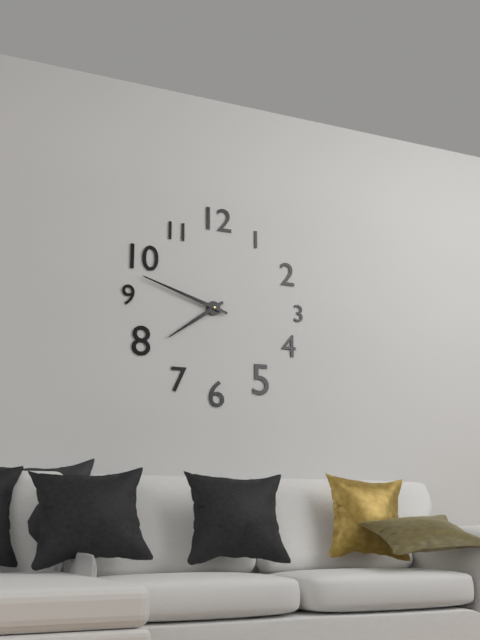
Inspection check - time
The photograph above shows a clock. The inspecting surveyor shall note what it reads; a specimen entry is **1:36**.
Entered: **7:48**
